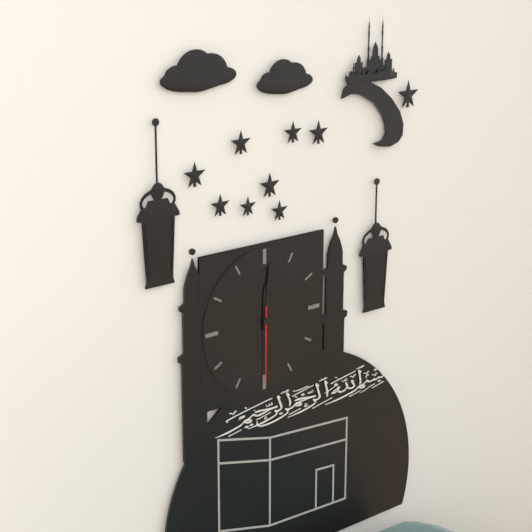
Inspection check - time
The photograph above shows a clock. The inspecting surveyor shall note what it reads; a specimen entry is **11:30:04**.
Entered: **12:01:30**
